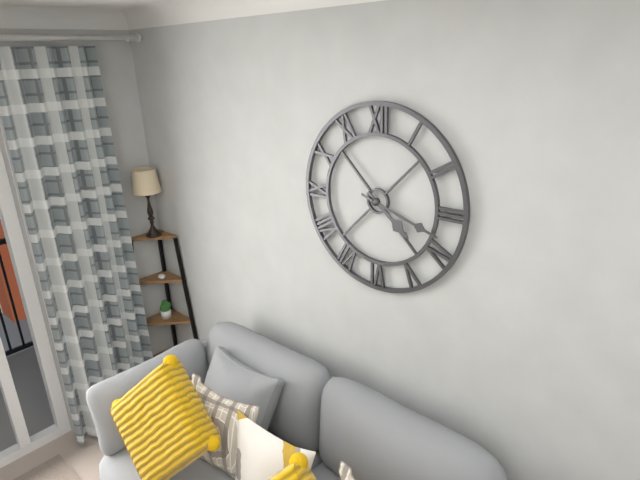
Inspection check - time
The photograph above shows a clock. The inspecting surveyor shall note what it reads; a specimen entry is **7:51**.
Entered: **4:18**
